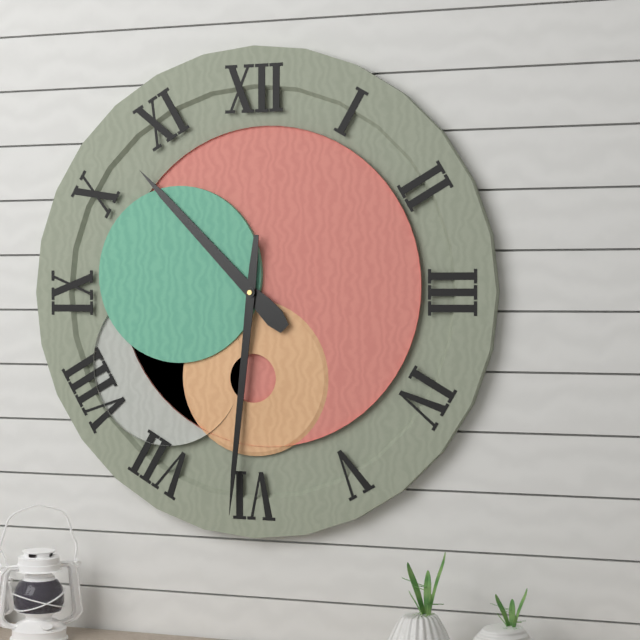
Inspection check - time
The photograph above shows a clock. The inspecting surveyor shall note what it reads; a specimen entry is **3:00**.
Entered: **10:31**
